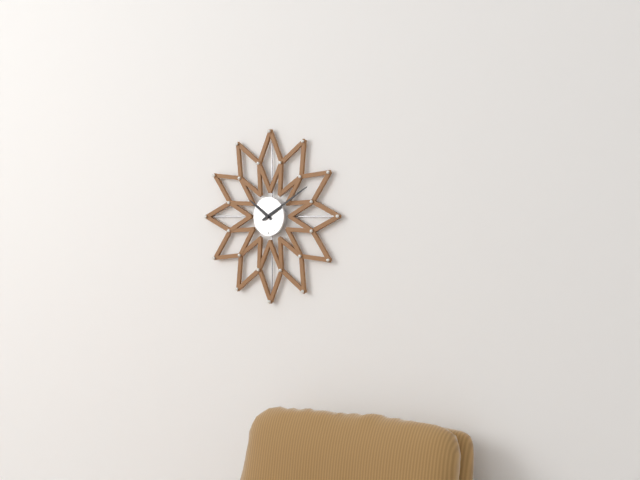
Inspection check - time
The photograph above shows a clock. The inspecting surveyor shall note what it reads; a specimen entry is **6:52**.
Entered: **10:10**
